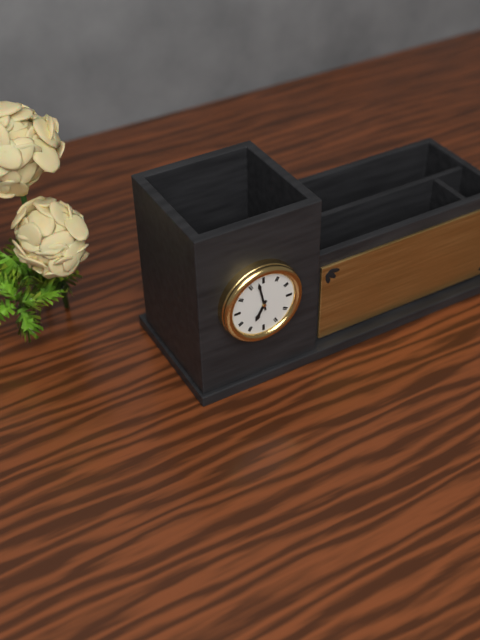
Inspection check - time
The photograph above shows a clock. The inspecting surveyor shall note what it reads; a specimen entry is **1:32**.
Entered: **6:58**
